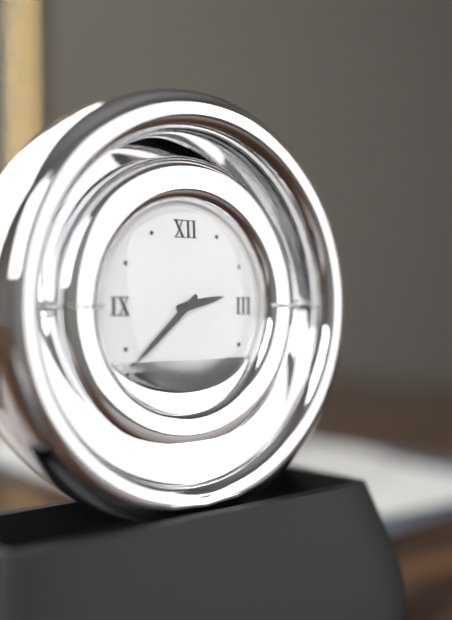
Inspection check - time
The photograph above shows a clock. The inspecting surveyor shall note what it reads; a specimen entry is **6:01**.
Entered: **2:38**
